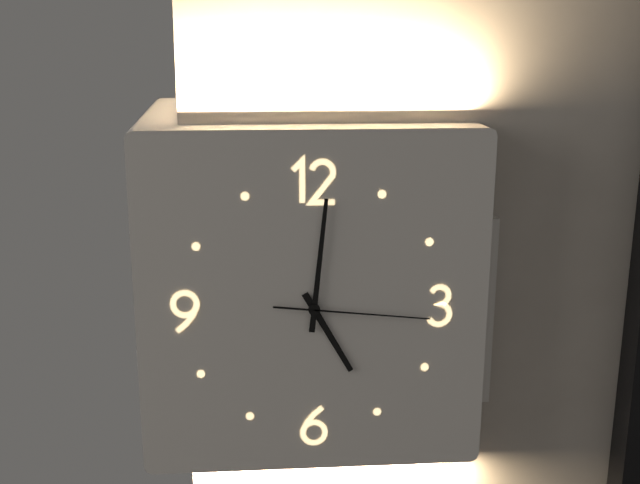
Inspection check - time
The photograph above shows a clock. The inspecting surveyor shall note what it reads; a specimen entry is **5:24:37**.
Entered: **5:01:16**
